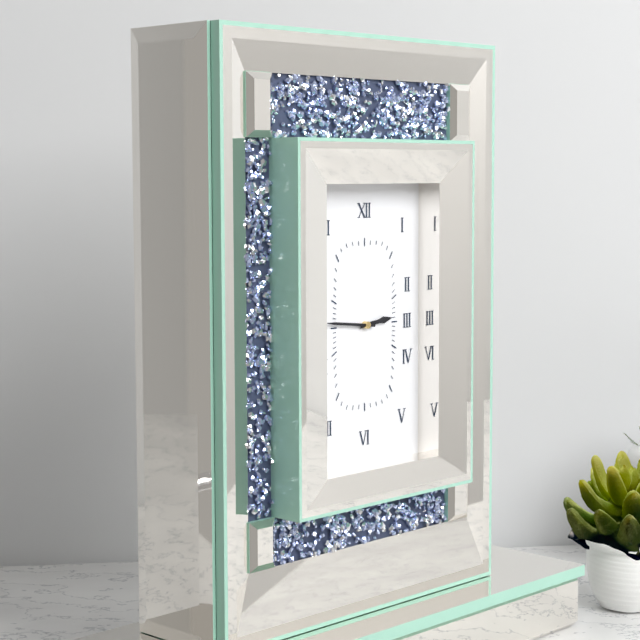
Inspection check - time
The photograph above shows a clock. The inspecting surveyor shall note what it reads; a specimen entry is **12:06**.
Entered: **2:46**
